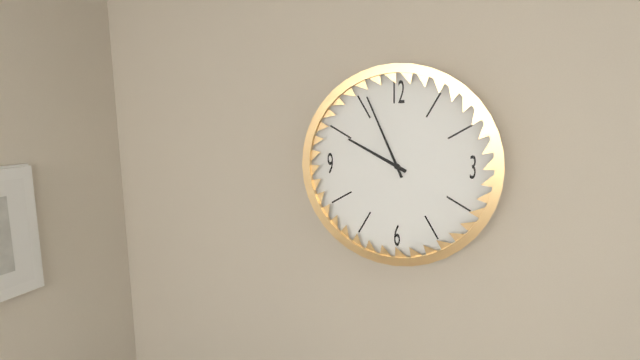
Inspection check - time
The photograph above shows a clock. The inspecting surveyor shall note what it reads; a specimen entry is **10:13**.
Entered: **9:56**
